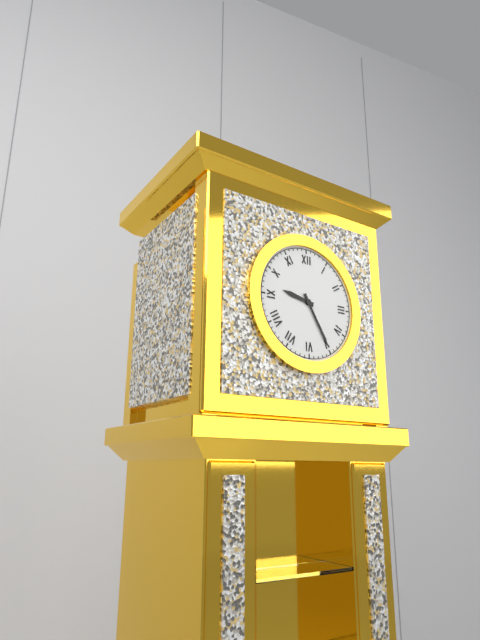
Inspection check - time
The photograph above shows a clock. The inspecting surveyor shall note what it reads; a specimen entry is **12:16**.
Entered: **9:25**
